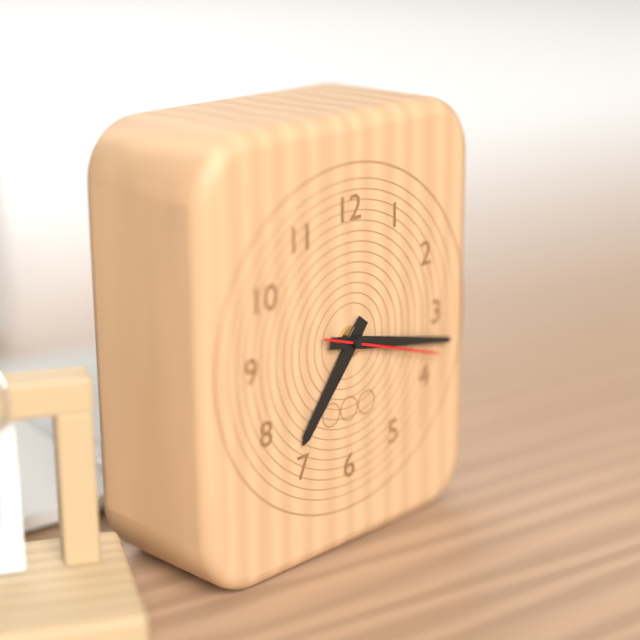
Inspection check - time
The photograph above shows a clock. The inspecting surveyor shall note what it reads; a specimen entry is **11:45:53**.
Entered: **7:17:18**
